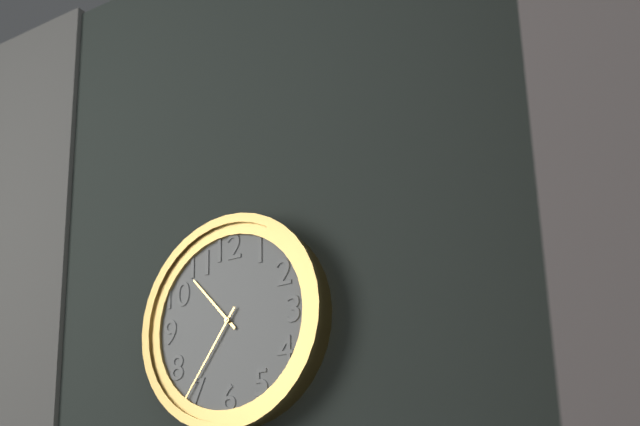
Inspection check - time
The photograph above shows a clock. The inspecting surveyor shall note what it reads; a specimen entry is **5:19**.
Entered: **10:36**
